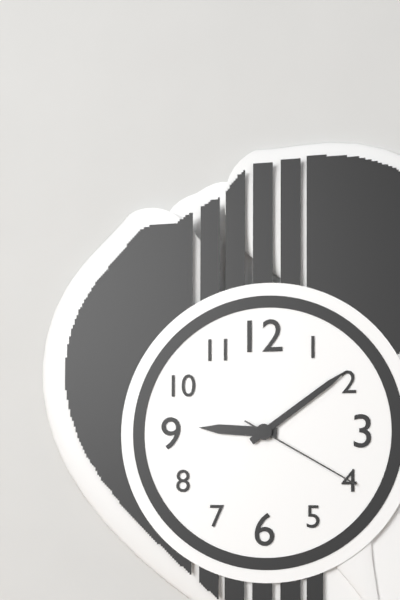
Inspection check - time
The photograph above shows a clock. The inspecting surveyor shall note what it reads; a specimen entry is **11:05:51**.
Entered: **9:09:20**
